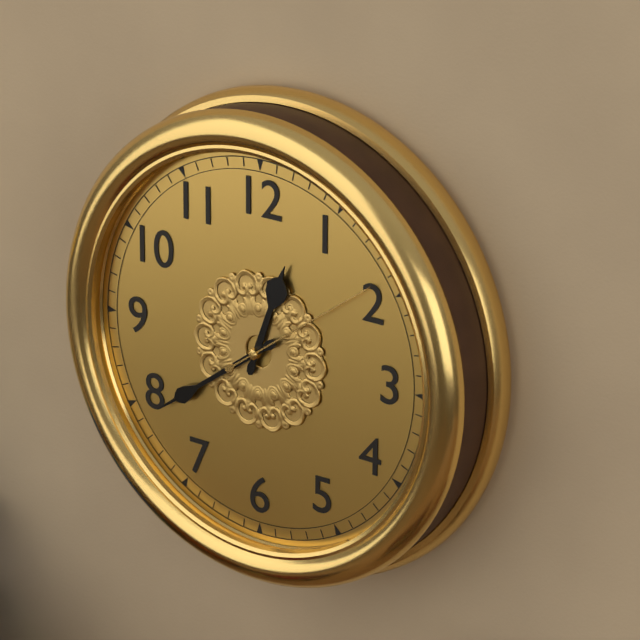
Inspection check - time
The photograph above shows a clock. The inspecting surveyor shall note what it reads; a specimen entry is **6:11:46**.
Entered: **12:39:09**
